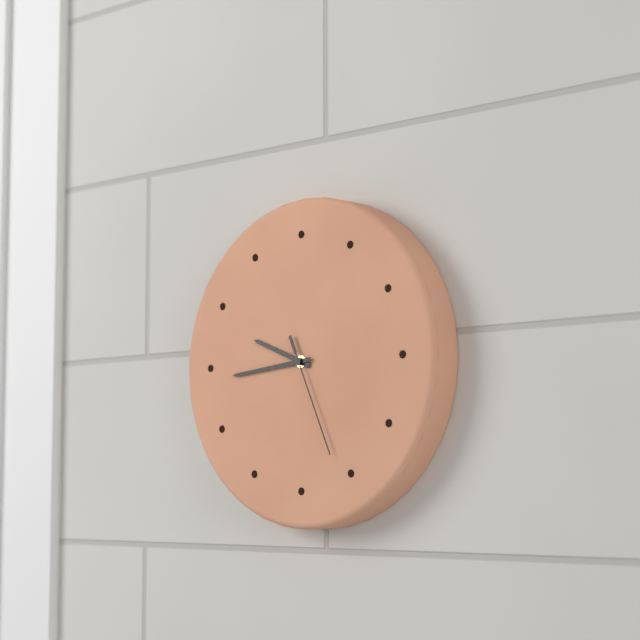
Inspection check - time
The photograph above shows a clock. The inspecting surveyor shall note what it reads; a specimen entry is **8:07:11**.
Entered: **9:44:26**
